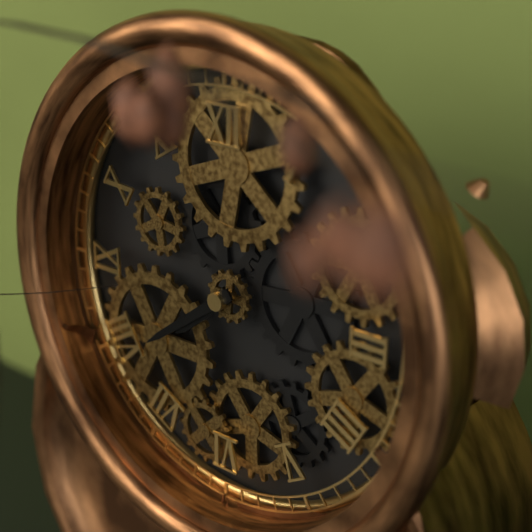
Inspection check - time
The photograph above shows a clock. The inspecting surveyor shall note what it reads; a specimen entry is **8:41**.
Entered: **7:39**
